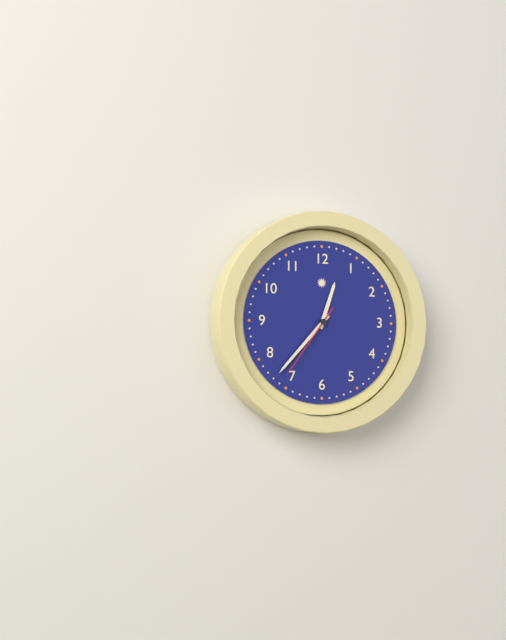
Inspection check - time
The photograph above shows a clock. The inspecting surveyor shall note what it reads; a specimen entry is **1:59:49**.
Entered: **12:37:36**
